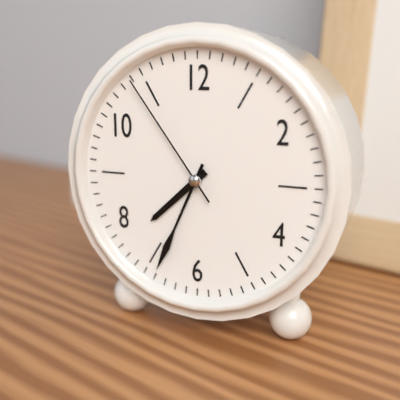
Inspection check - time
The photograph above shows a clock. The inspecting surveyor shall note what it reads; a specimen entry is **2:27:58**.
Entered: **7:34:54**
